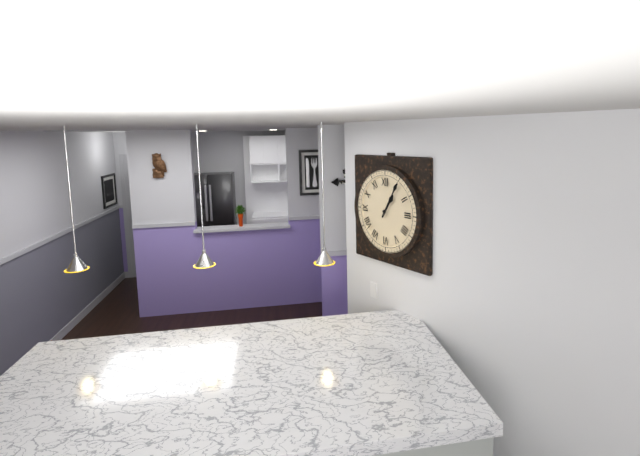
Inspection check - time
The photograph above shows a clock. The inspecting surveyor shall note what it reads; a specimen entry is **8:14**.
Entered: **1:05**
